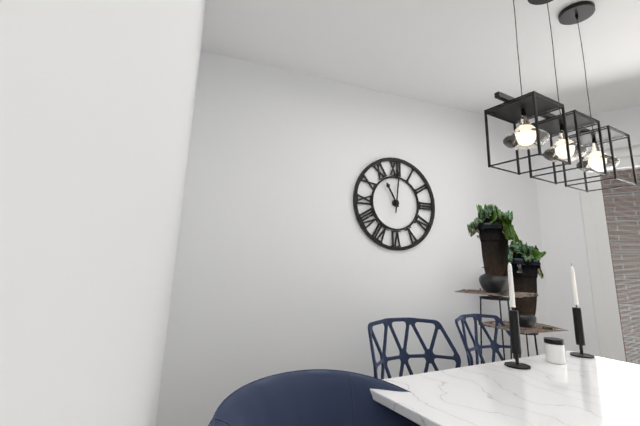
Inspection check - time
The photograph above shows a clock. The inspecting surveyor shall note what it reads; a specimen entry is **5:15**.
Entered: **11:01**
